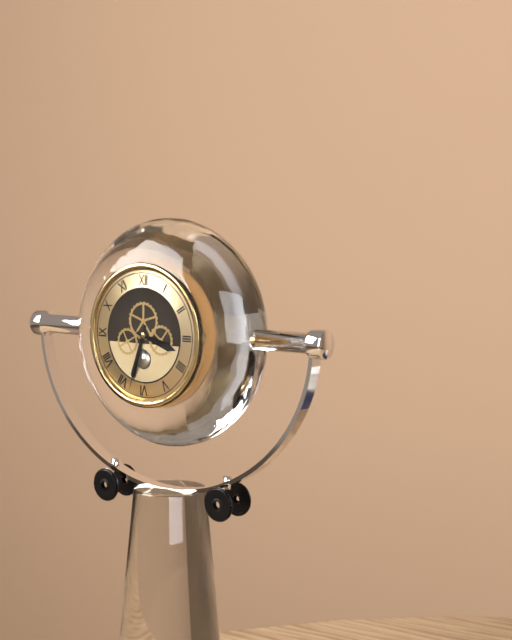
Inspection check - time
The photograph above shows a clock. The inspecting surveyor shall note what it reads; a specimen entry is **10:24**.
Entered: **3:33**
